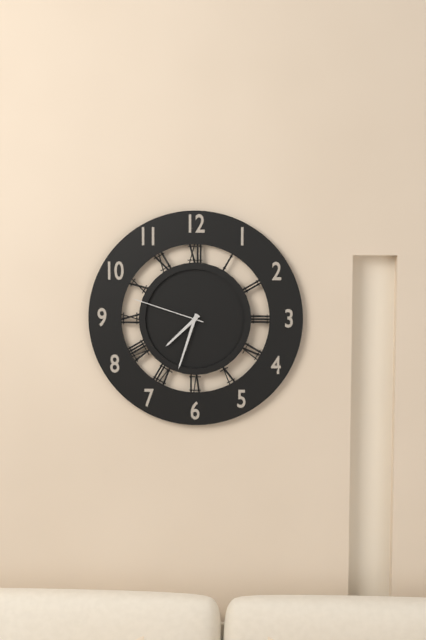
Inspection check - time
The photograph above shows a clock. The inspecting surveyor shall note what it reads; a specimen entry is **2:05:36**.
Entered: **7:33:48**
